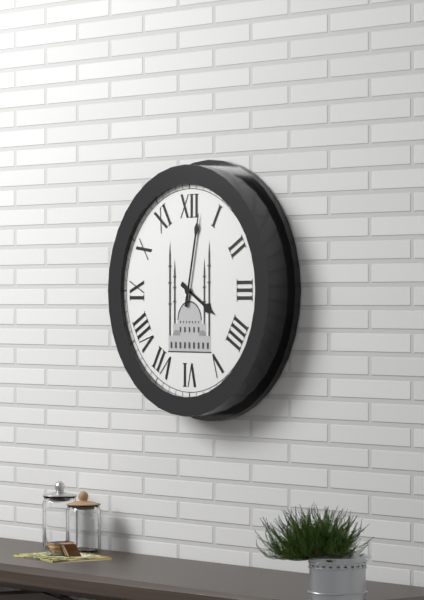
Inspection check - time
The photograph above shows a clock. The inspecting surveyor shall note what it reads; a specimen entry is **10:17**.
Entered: **4:02**
